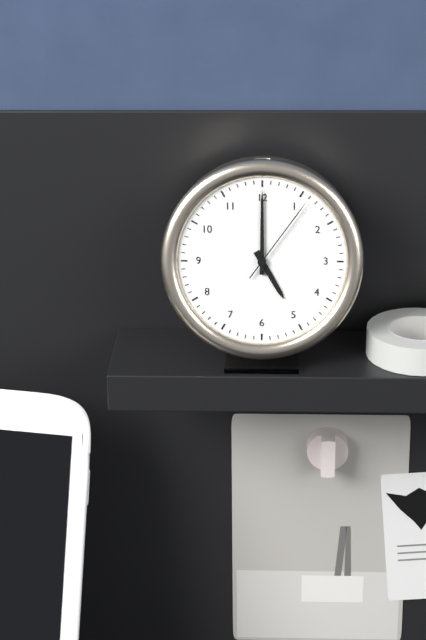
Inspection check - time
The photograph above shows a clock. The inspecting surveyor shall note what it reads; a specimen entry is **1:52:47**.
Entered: **5:00:06**
